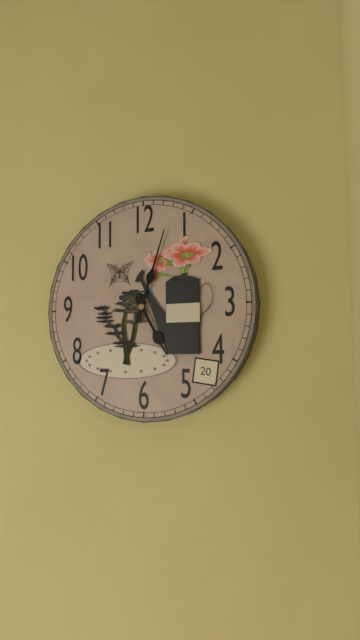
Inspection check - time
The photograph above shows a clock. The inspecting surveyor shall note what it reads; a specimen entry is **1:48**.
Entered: **5:03**
